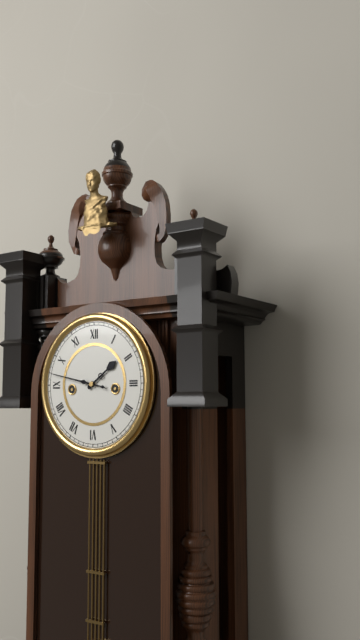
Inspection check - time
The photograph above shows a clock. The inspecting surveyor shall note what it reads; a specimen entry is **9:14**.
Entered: **1:47**
